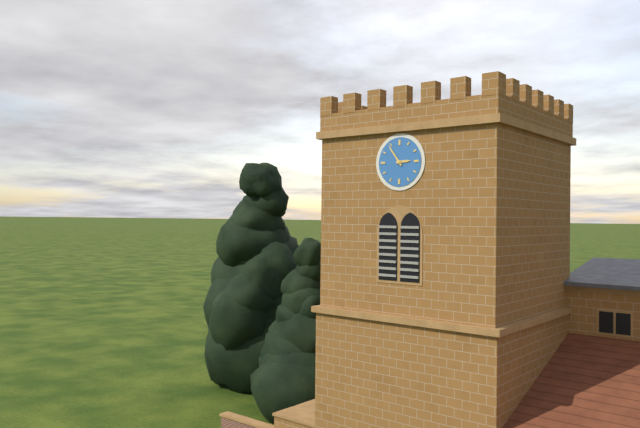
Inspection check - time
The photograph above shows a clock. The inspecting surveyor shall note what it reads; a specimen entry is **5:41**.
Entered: **2:54**
